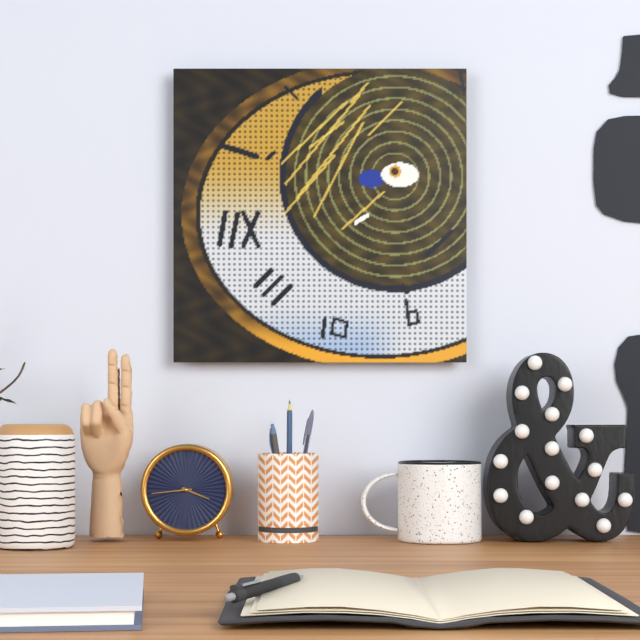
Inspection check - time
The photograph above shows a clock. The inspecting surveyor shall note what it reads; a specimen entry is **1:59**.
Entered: **3:44**
